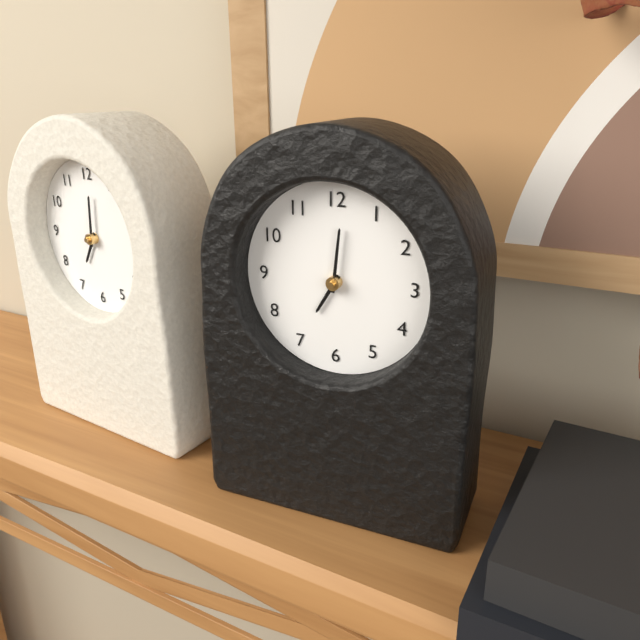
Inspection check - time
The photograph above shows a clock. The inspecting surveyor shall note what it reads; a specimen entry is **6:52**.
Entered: **7:01**
